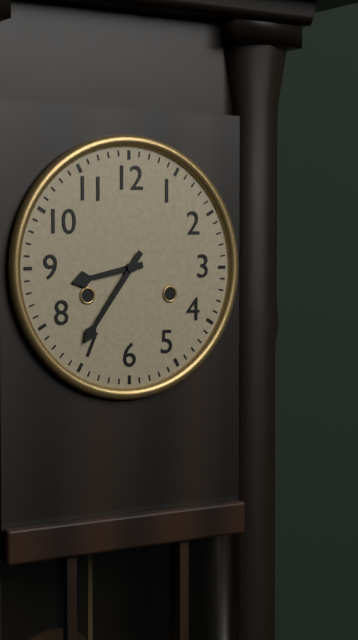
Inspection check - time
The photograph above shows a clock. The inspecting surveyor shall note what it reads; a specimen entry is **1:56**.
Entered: **8:36**
